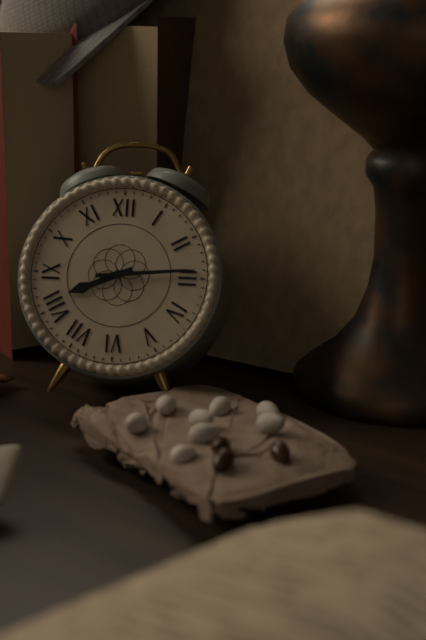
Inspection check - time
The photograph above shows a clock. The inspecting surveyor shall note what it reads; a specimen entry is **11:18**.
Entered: **8:14**
